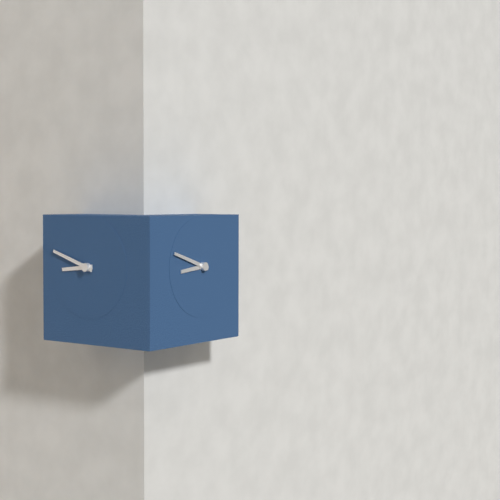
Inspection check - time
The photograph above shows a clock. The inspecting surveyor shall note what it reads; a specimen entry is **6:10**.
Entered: **8:48**
